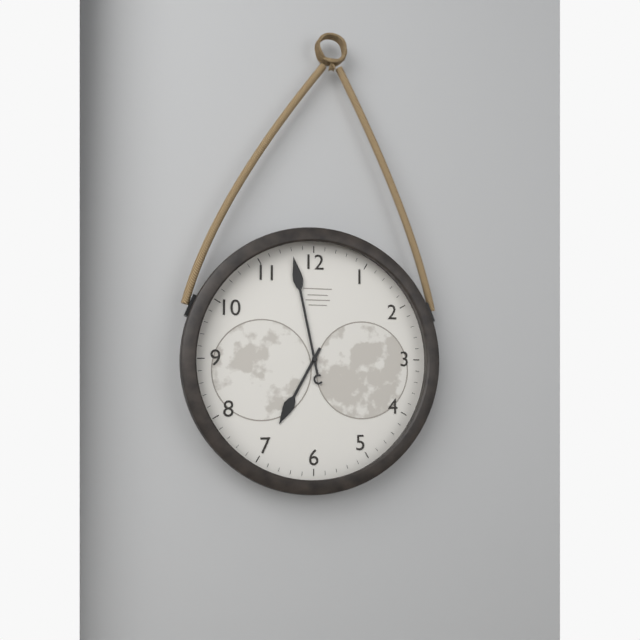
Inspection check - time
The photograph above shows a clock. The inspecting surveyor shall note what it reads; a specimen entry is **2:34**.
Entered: **6:58**
